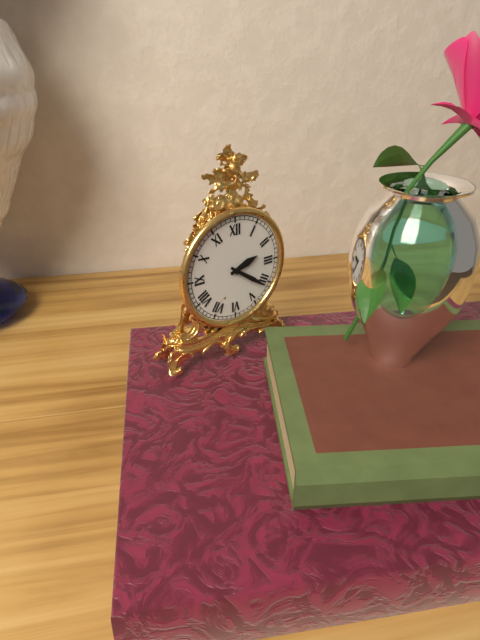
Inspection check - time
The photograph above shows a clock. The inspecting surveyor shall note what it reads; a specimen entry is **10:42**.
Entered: **2:21**
